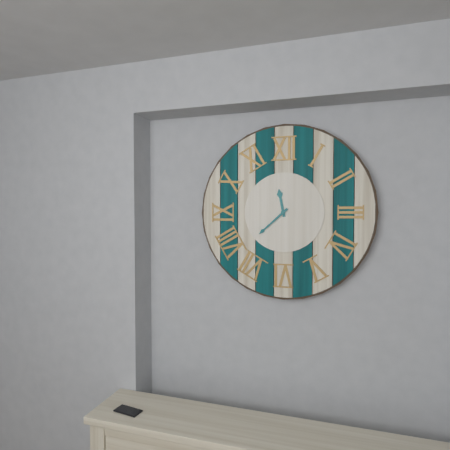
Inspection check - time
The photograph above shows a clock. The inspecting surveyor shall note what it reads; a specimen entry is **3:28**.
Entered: **11:38**
